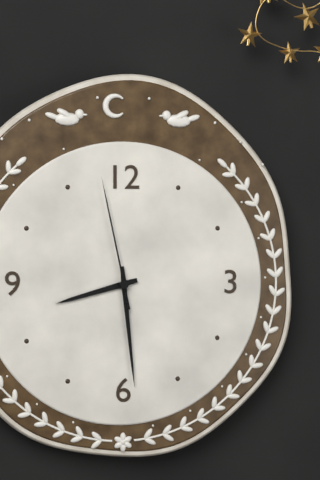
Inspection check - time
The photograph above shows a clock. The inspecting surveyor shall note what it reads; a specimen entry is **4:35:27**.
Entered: **8:29:58**
